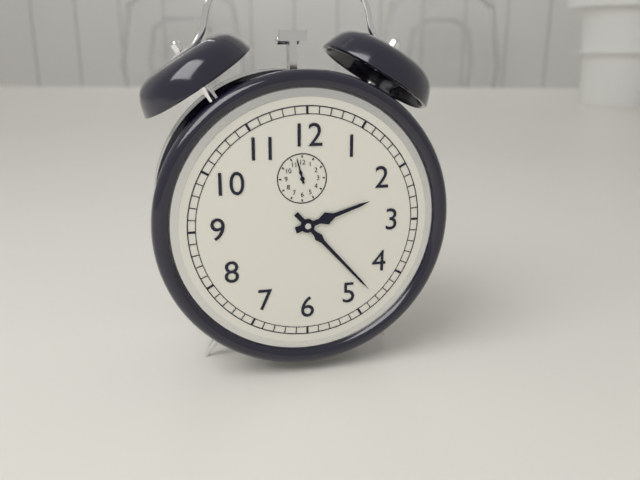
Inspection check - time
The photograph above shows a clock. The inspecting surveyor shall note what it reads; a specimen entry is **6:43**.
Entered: **2:23**
